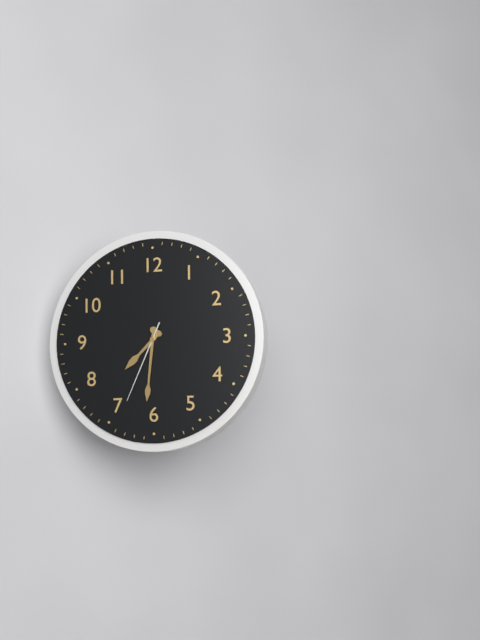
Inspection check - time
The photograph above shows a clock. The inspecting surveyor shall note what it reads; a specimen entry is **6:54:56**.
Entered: **7:31:34**
